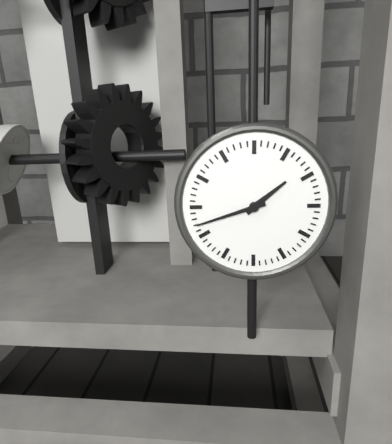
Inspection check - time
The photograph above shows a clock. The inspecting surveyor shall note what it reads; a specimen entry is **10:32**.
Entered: **1:42**
